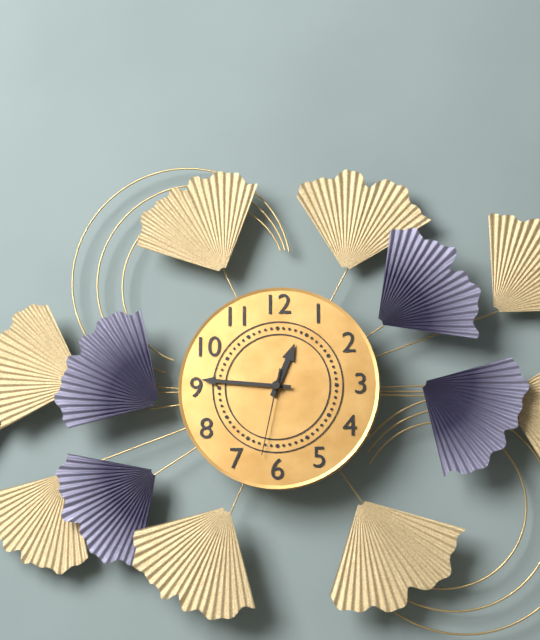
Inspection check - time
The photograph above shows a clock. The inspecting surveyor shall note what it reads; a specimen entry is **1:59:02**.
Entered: **12:46:32**
